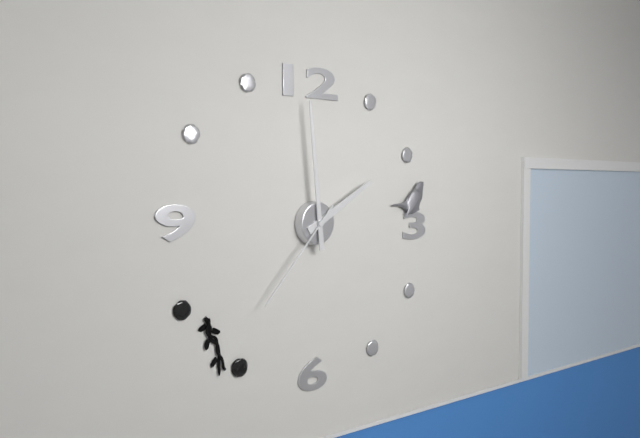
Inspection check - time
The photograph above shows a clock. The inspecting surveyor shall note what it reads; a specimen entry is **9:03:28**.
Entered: **1:59:37**
